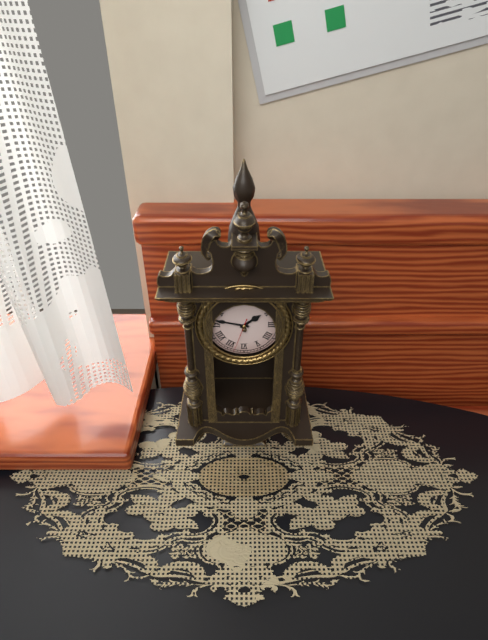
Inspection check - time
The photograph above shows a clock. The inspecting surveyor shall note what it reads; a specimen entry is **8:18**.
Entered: **1:47**
